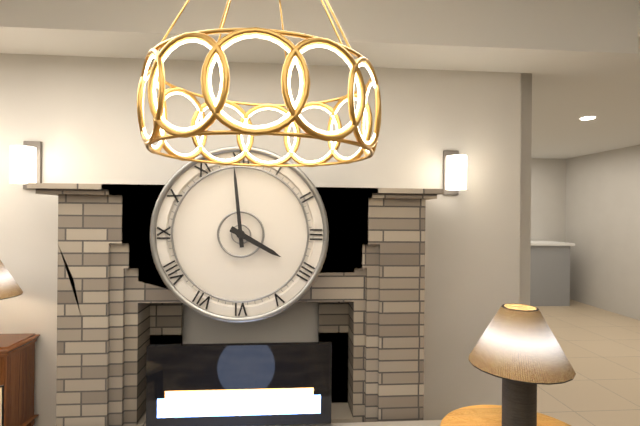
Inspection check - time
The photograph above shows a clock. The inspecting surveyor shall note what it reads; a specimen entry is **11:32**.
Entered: **3:59**
